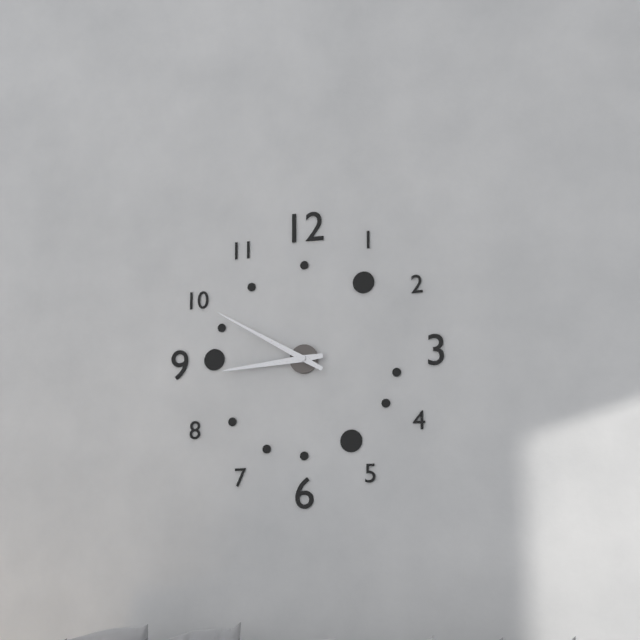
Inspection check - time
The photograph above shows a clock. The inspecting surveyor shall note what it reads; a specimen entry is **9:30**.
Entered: **8:50**
